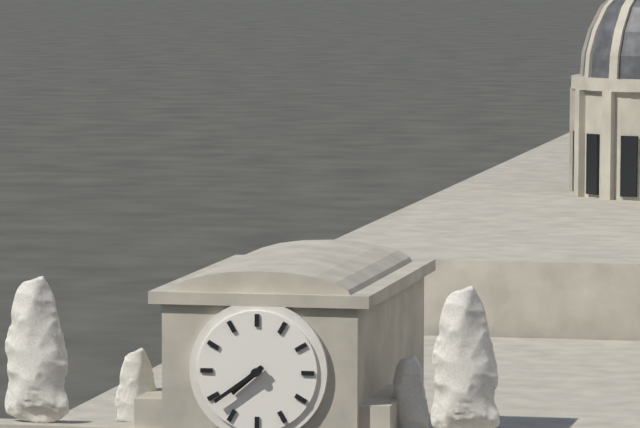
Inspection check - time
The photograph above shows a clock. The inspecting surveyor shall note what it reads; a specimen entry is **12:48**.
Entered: **7:39**
